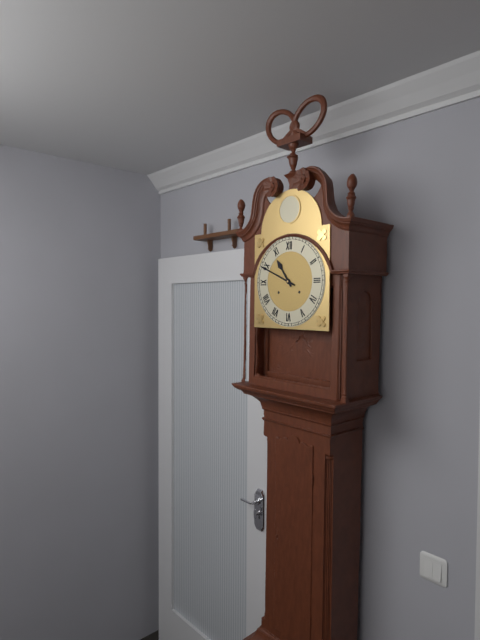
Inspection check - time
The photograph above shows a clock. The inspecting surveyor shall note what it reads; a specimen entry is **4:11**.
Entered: **10:49**
